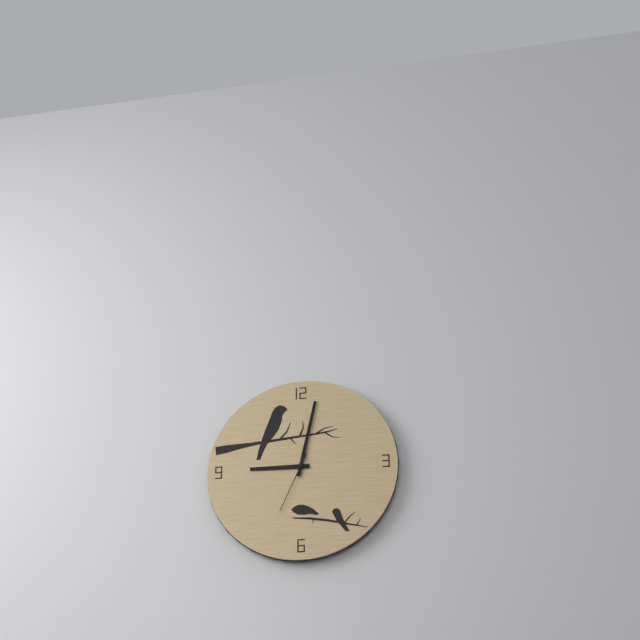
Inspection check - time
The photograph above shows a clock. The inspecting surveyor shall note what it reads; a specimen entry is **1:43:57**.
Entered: **9:02:34**
